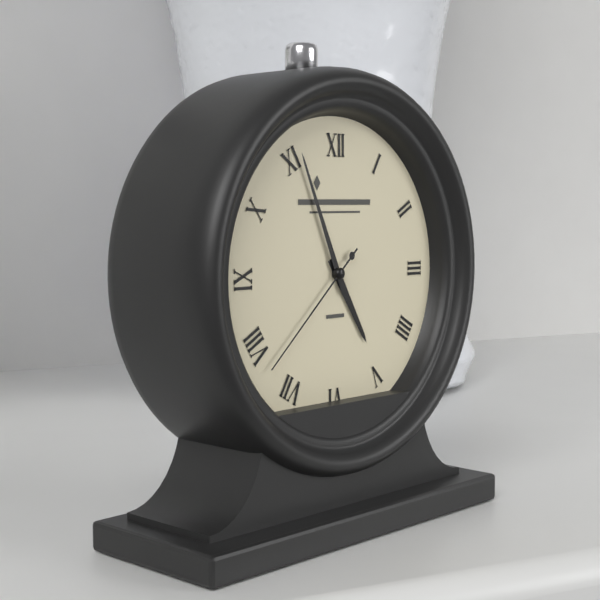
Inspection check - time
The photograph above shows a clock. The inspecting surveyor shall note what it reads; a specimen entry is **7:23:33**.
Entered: **4:56:38**
